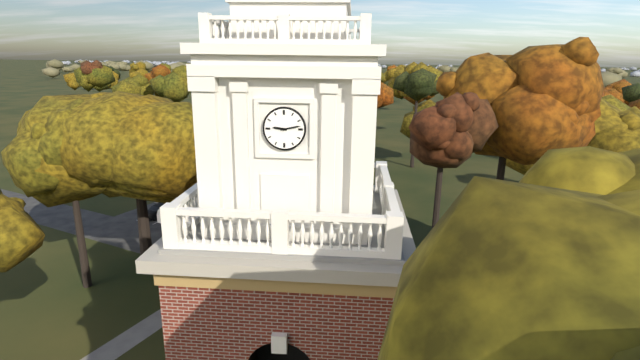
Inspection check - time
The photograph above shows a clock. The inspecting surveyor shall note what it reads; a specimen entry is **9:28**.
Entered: **9:13**
